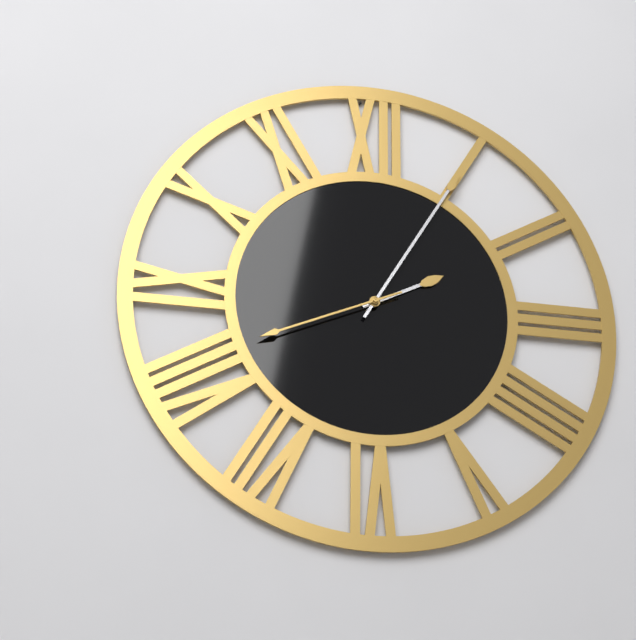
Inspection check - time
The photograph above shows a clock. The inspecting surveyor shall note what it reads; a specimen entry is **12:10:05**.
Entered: **2:05:41**
